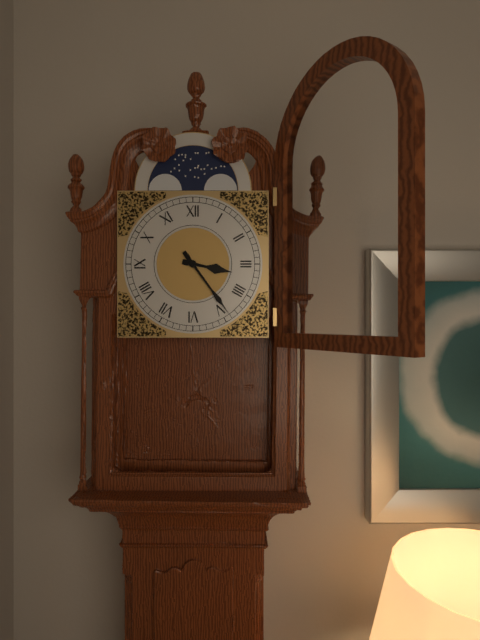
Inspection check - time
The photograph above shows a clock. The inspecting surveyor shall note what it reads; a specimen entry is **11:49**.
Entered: **3:24**
